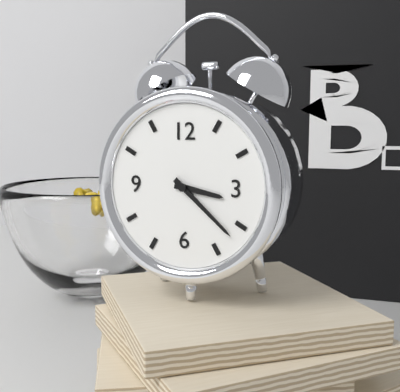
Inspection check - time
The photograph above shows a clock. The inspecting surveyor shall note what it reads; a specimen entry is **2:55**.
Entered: **3:22**
